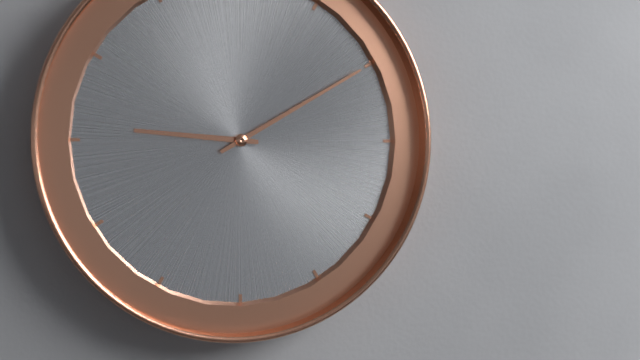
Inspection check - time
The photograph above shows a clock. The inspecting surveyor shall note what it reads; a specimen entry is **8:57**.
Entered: **9:10**
